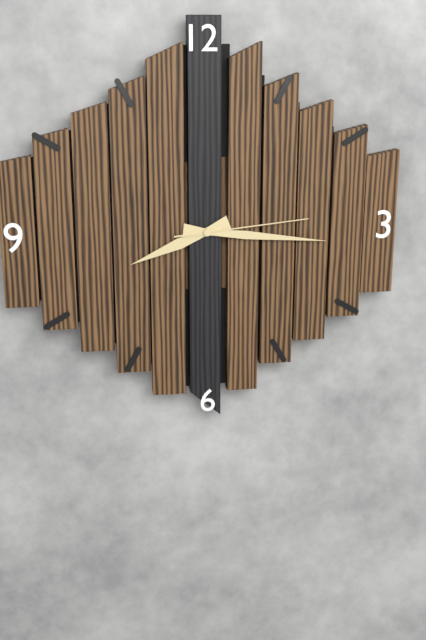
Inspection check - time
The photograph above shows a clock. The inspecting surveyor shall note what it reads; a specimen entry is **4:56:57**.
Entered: **8:16:14**
